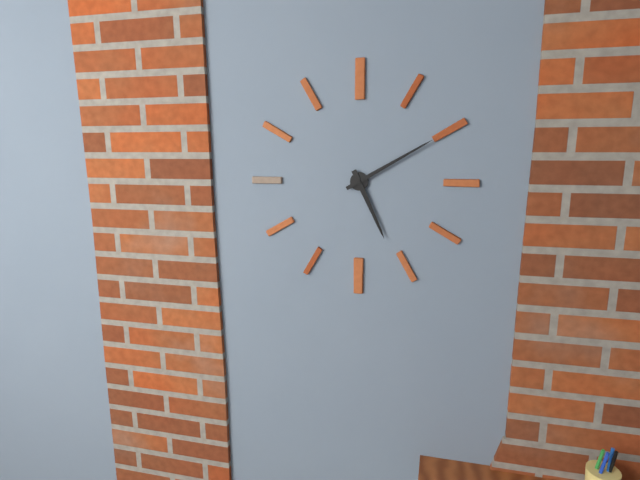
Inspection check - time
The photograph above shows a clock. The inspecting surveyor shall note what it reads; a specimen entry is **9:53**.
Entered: **5:10**
